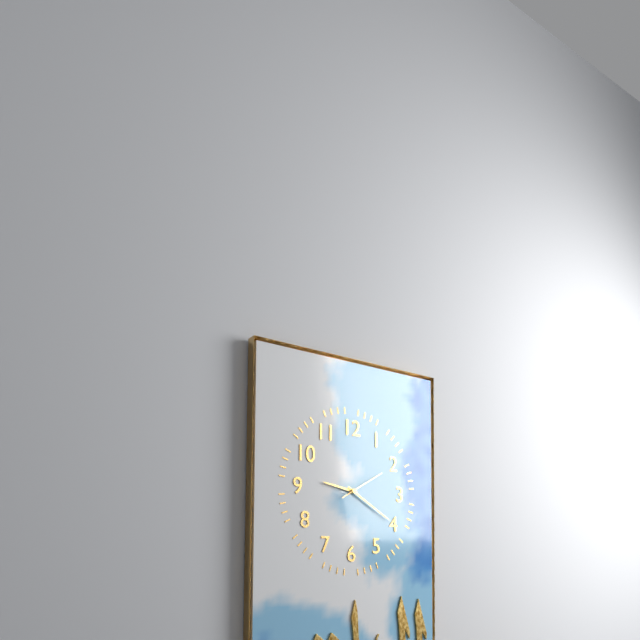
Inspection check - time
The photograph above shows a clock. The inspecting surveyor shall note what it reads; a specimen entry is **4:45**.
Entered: **9:20**
